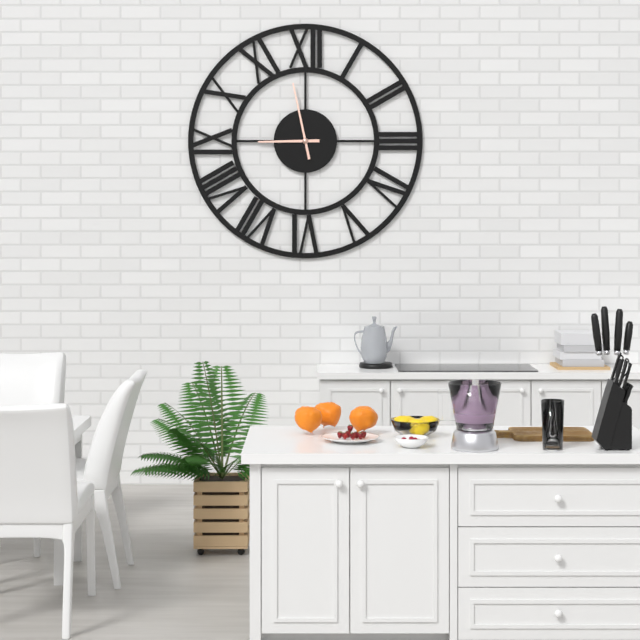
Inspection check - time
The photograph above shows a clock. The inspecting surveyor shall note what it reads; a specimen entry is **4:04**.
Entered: **8:58**
